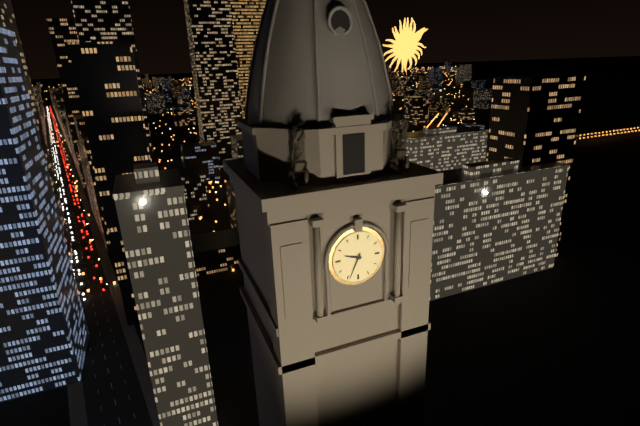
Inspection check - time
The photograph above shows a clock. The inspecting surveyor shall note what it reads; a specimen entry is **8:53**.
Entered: **9:34**
